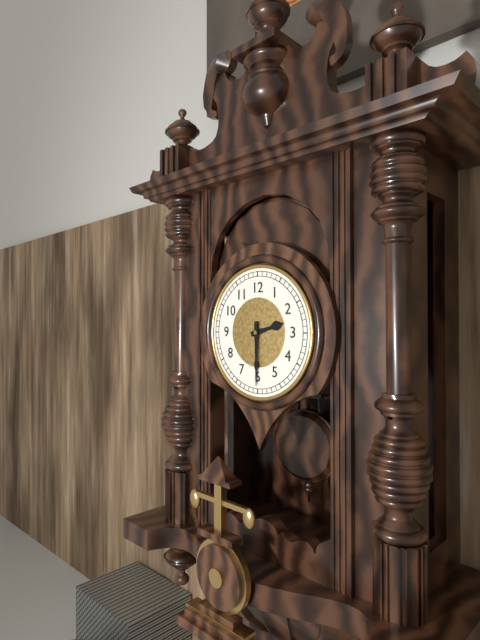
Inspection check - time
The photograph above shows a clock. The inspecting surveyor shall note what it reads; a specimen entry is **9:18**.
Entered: **2:30**
